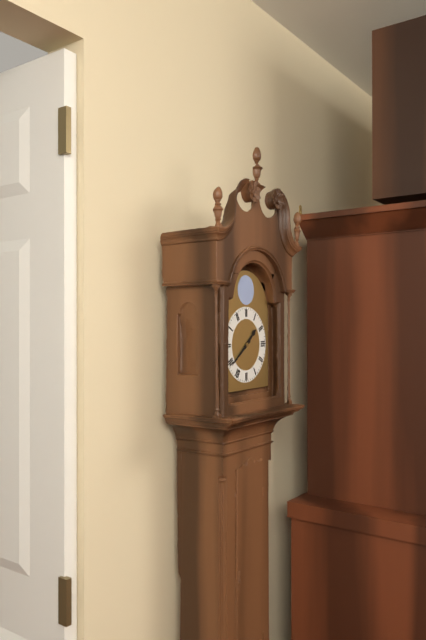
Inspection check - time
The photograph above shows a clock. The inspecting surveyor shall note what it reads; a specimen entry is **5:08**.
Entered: **1:39**
